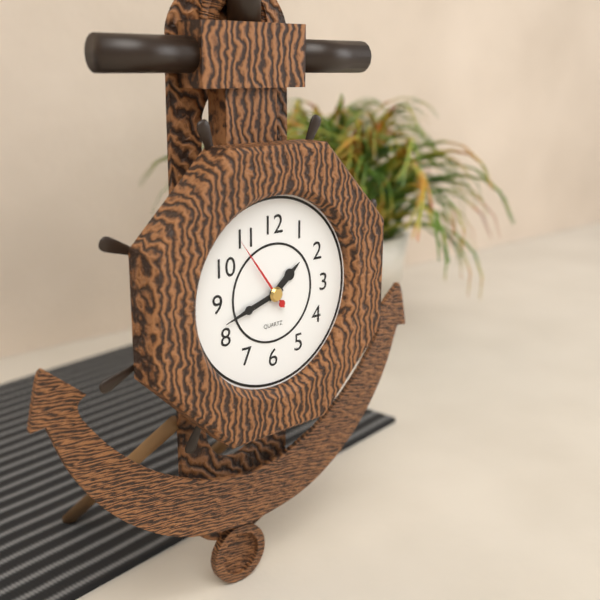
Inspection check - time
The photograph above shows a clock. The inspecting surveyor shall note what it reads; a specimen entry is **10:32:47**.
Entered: **1:42:54**
